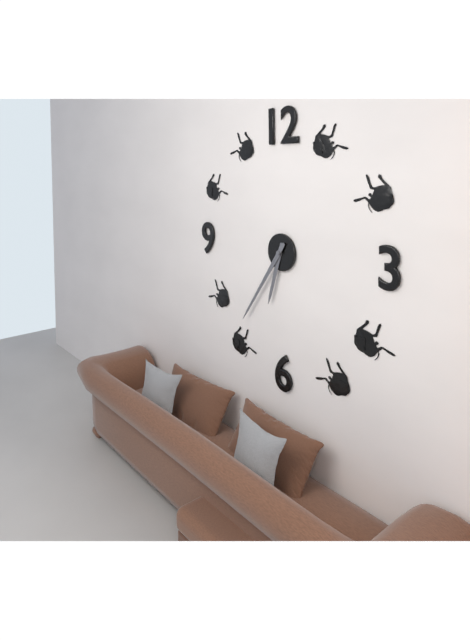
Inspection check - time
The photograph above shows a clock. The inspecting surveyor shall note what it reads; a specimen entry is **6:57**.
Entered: **6:36**
